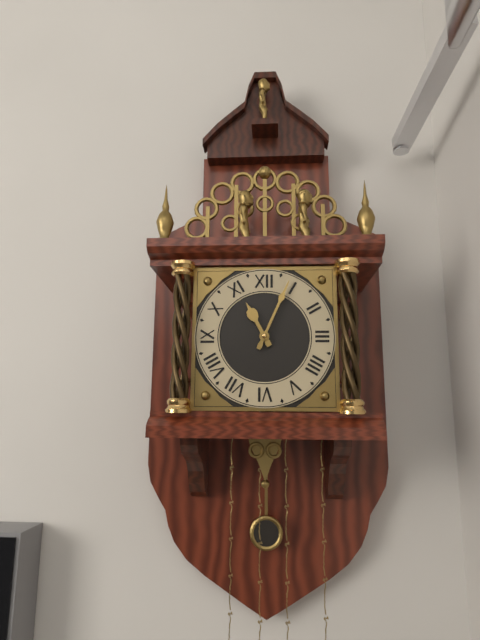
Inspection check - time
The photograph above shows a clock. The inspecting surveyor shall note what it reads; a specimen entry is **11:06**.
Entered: **11:04**
